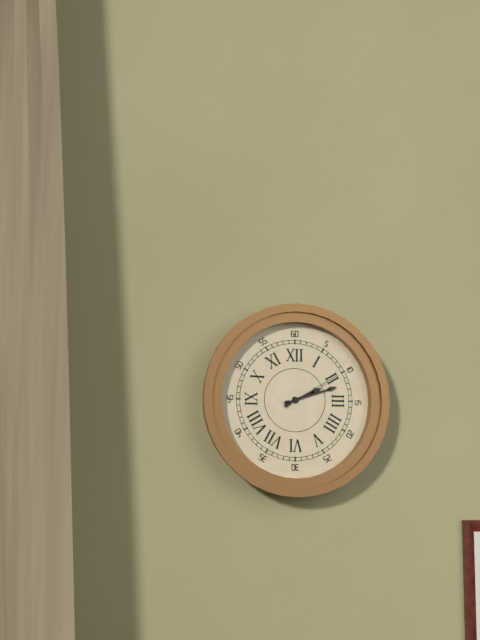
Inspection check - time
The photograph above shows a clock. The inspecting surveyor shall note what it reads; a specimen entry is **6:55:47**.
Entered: **2:12:10**
